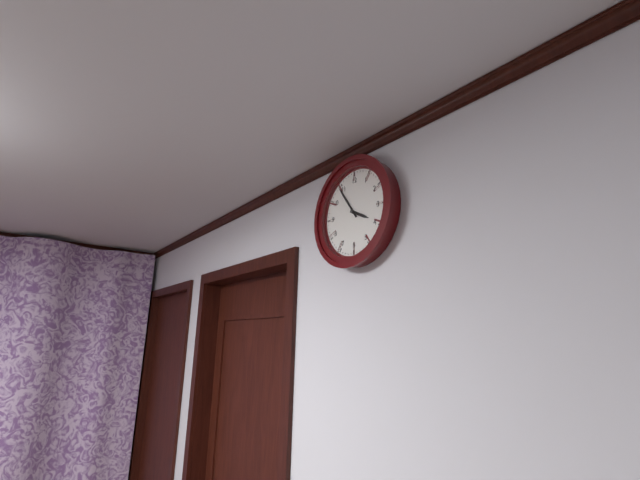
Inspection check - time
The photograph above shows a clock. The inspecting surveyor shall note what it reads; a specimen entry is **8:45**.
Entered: **3:54**
